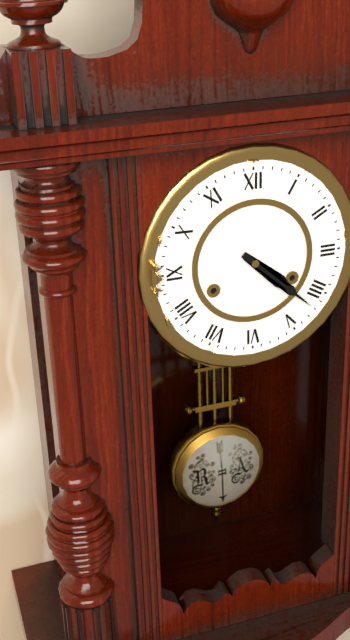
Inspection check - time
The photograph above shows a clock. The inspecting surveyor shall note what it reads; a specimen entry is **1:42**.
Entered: **4:22**
